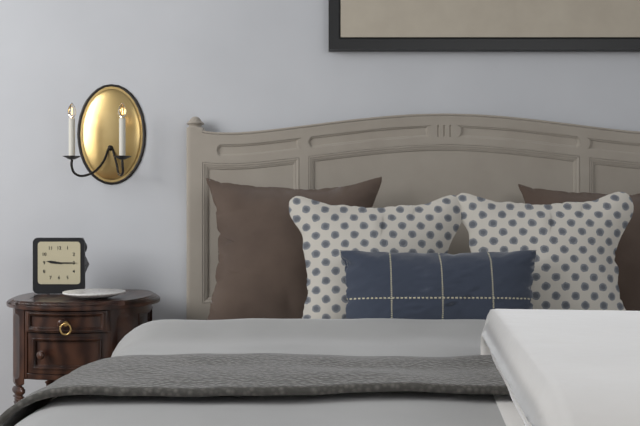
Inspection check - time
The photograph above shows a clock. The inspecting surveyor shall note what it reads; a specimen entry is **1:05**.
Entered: **9:15**
